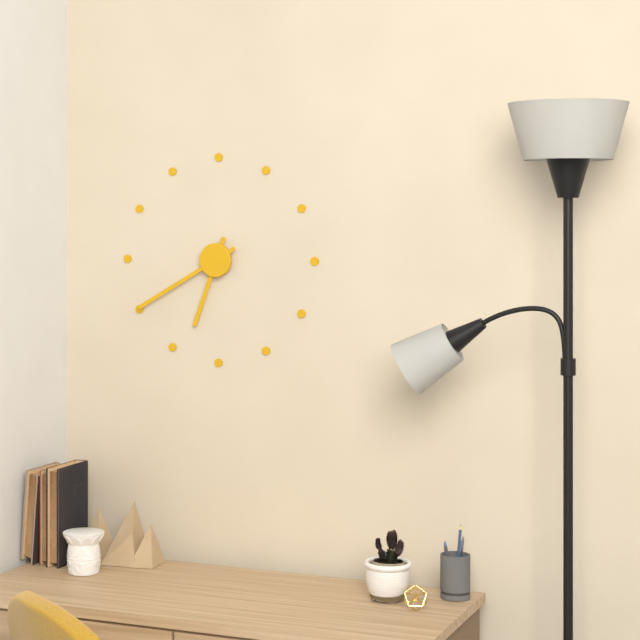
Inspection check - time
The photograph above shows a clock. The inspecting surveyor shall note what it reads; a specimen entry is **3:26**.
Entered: **6:40**
